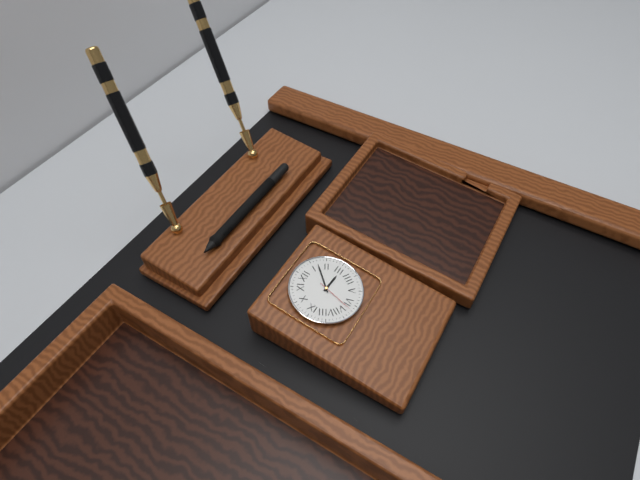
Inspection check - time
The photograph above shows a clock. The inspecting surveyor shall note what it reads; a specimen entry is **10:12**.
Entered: **3:07**
